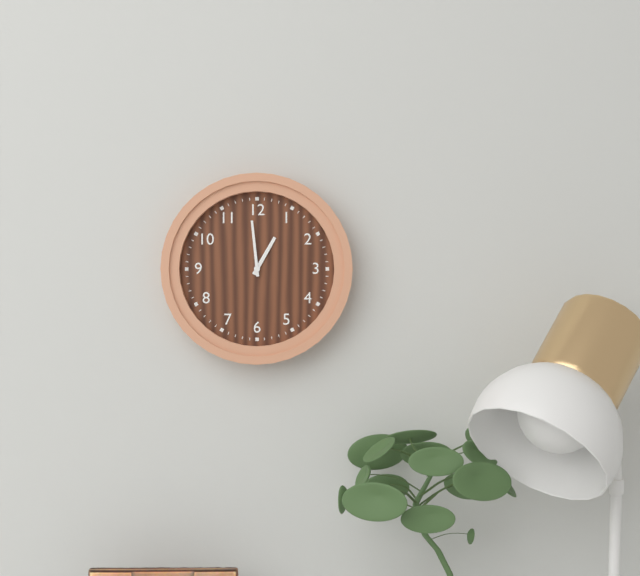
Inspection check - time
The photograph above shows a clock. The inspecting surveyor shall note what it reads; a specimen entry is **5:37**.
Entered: **12:59**
